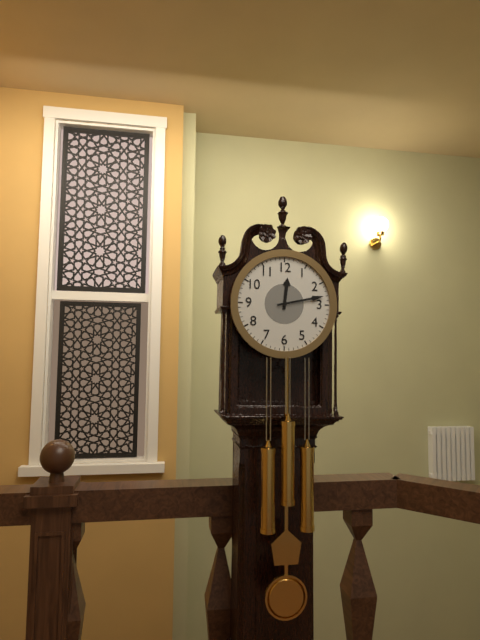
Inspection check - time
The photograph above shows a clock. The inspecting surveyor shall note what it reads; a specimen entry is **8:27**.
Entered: **12:13**
